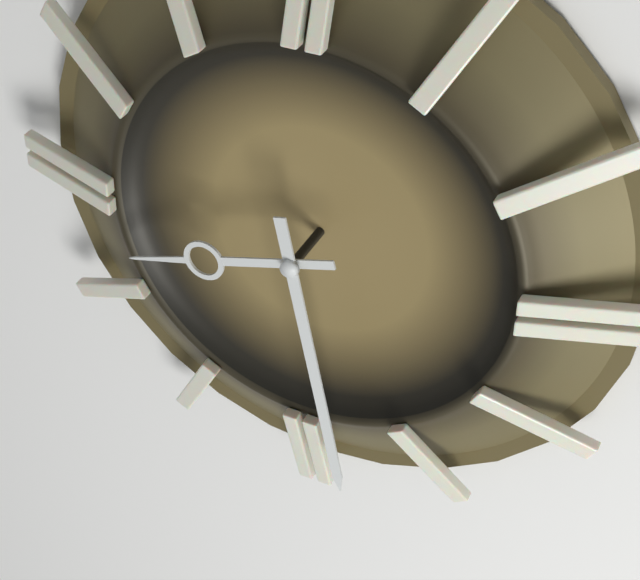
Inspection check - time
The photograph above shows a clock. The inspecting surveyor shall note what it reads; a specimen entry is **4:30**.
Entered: **8:28**
